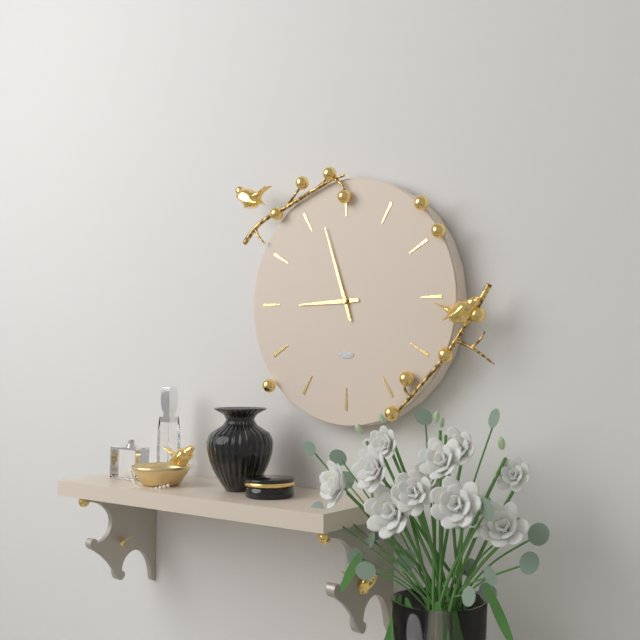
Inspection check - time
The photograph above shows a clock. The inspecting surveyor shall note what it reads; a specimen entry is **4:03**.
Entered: **8:57**
